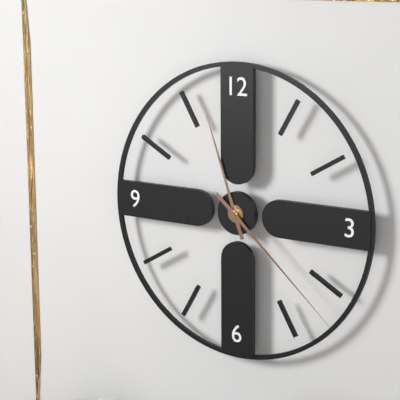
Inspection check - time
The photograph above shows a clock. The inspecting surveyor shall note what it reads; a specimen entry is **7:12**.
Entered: **11:22**
